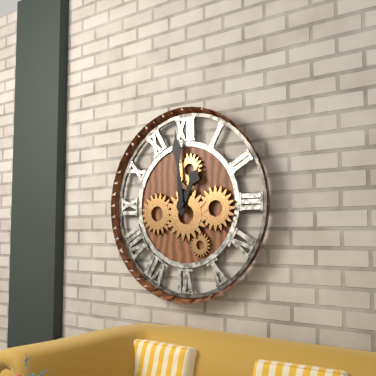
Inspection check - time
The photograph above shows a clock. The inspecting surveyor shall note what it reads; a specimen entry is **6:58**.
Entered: **12:59**
